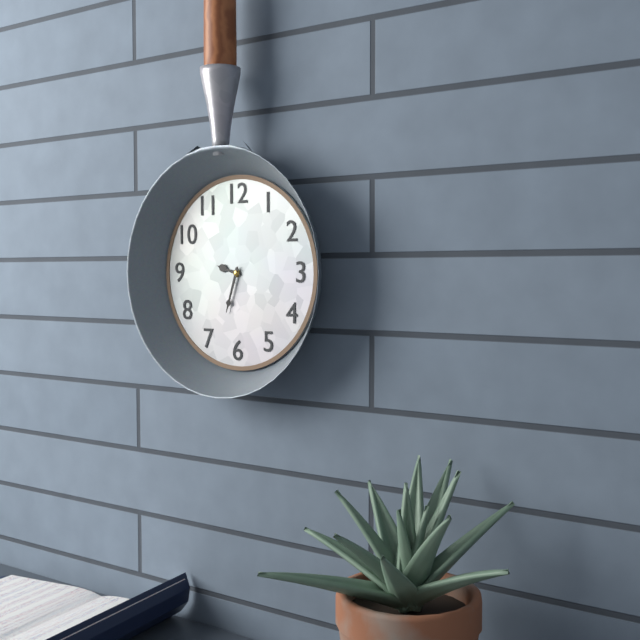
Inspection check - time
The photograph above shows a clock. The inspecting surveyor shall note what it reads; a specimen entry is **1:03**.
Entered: **9:33**
